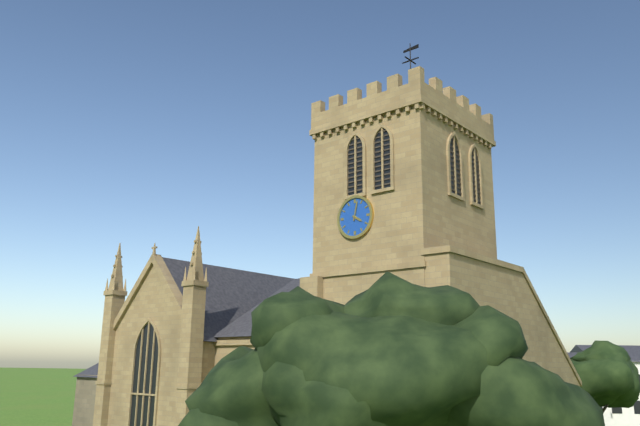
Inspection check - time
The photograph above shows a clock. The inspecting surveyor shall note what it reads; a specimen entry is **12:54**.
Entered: **4:02**
